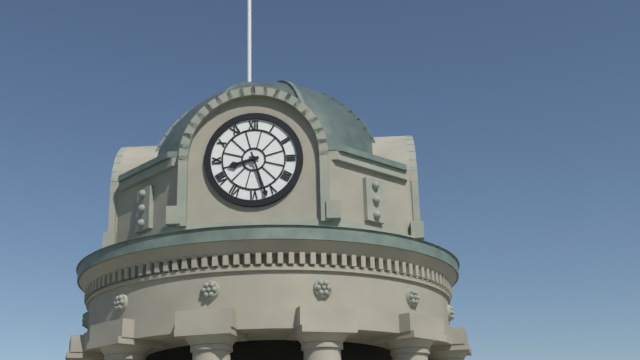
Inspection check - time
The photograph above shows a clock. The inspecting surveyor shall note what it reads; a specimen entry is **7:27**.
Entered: **8:27**
